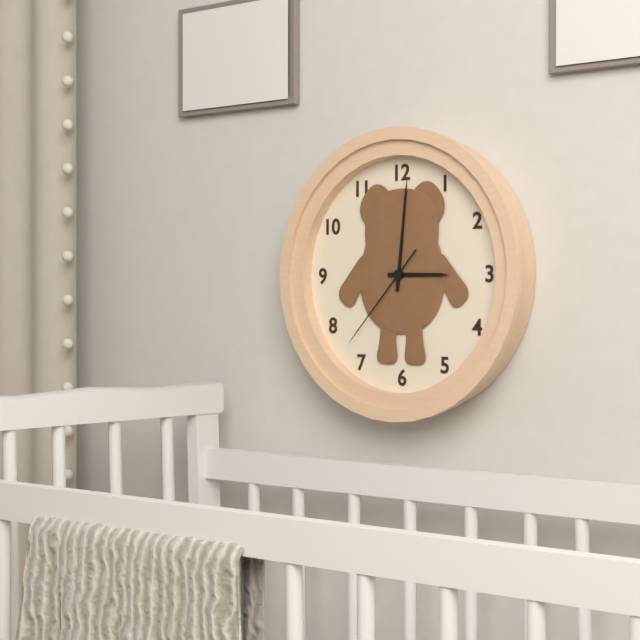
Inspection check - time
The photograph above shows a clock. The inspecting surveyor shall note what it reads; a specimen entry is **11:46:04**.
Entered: **3:01:37**
